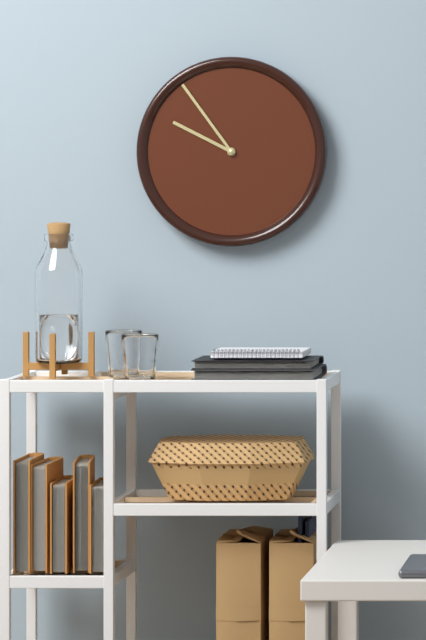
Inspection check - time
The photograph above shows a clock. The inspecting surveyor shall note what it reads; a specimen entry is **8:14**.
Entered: **9:54**
